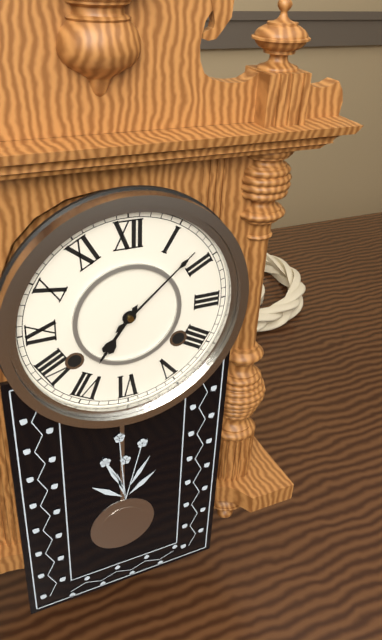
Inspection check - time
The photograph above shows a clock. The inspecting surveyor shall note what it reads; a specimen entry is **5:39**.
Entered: **7:08**
